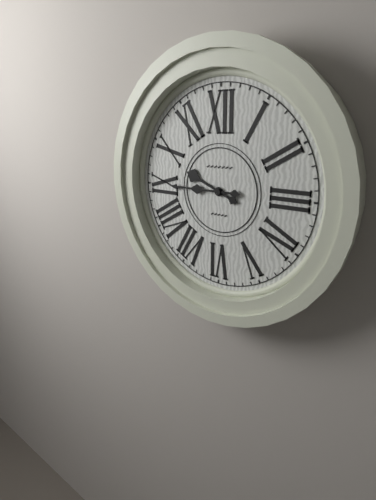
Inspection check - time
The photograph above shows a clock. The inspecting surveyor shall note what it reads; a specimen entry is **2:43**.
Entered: **9:45**
